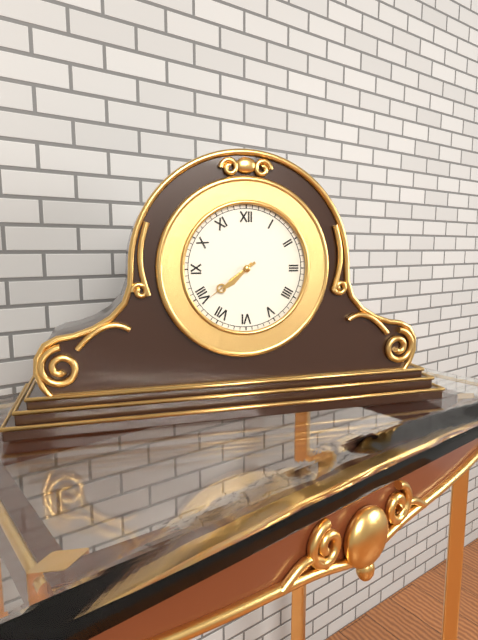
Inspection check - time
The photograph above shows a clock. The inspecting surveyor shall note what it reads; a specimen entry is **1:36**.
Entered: **7:39**
